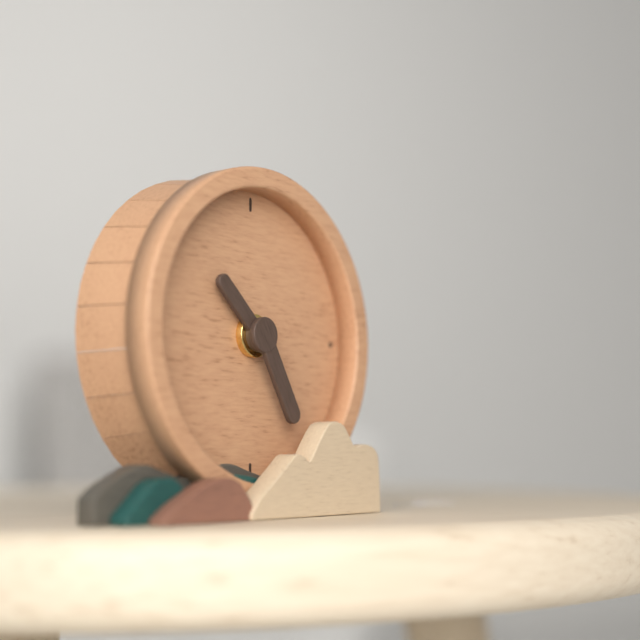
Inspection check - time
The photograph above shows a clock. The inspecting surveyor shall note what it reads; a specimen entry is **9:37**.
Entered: **10:25**
